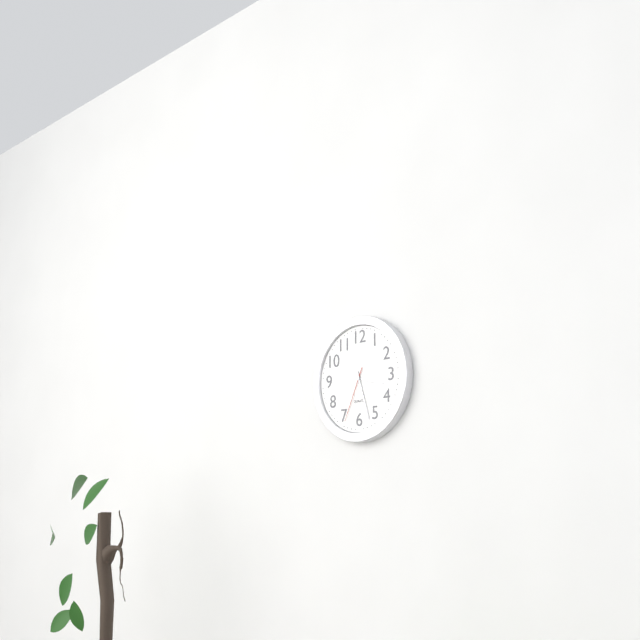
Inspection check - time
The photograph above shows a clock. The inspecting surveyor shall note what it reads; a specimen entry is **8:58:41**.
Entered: **3:27:34**
